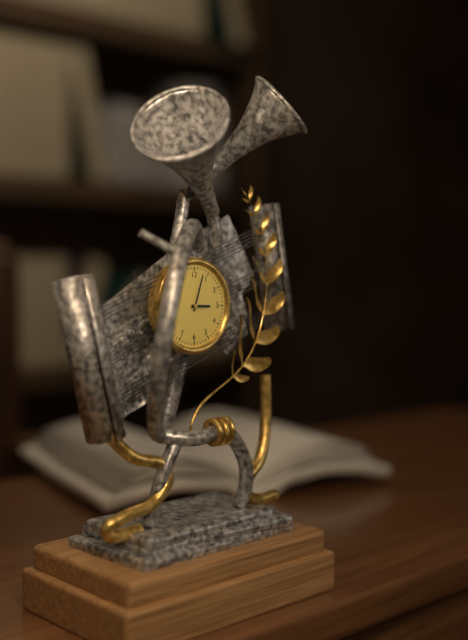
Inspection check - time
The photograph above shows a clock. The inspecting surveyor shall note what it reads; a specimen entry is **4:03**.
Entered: **3:03**
